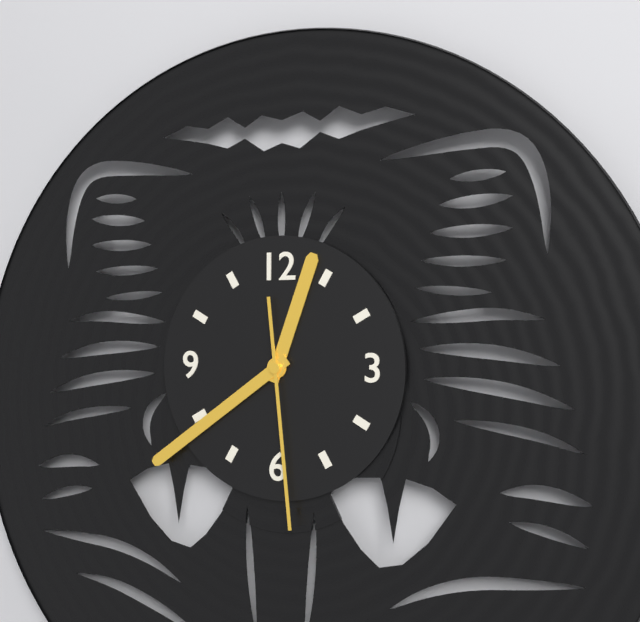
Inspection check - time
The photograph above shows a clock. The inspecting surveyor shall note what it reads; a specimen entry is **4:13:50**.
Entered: **12:39:29**
